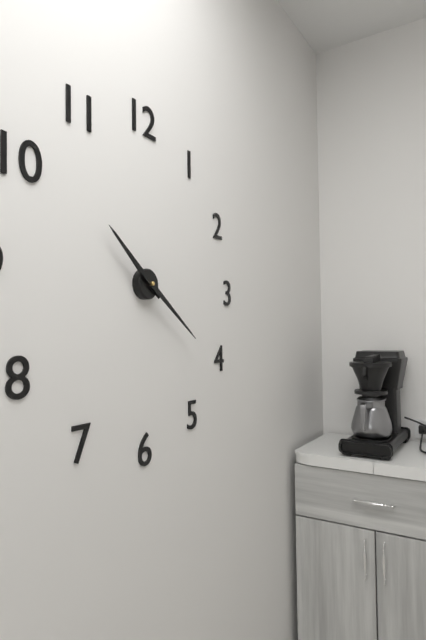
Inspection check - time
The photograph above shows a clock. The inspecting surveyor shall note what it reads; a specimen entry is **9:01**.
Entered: **10:21**
